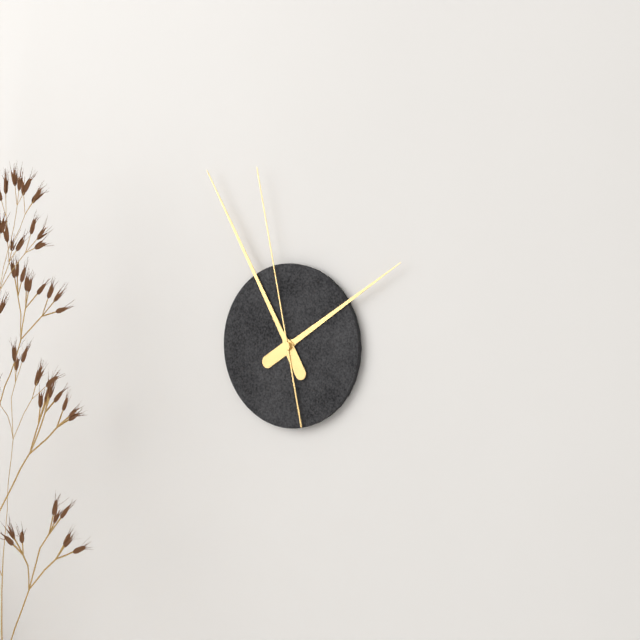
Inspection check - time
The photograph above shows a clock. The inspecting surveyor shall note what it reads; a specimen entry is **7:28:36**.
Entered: **1:55:58**
